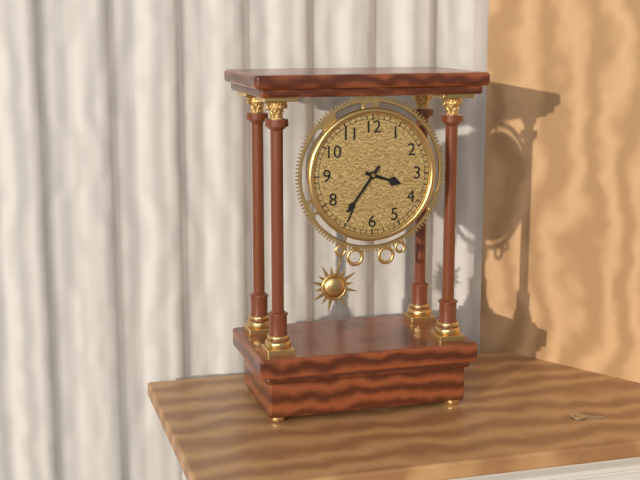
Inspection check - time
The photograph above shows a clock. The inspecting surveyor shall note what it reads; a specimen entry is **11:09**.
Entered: **3:36**
